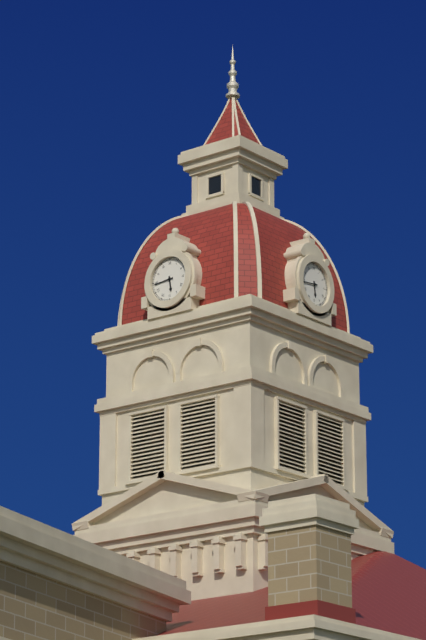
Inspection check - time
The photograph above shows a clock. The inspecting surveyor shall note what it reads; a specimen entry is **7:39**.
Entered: **5:44**
